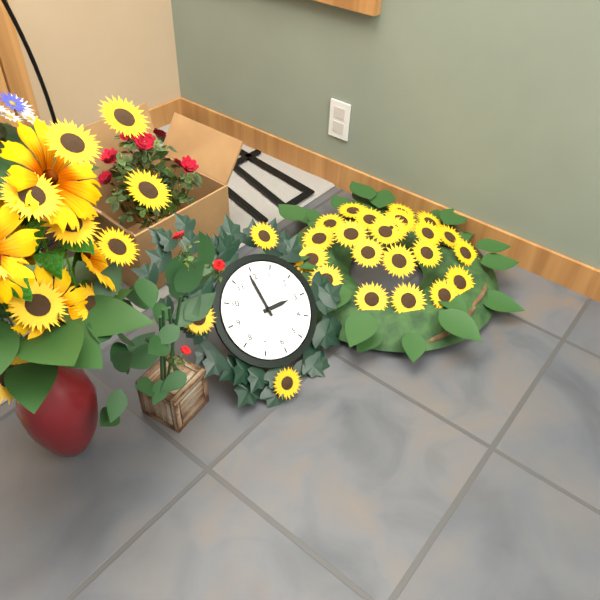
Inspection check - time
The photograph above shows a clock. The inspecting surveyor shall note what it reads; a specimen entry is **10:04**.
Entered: **2:59**
